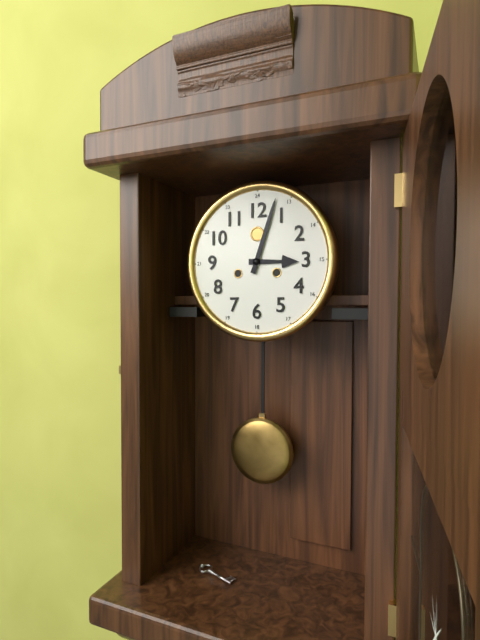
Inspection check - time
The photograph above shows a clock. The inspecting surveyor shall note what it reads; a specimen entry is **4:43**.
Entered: **3:03**
